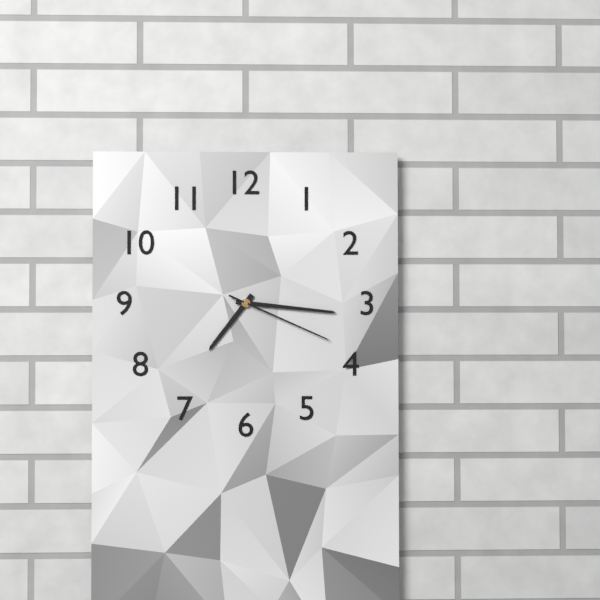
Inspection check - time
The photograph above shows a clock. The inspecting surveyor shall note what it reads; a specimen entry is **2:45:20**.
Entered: **7:16:19**
